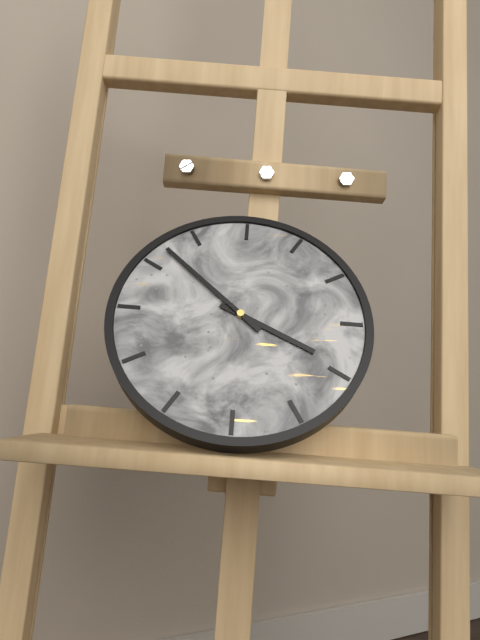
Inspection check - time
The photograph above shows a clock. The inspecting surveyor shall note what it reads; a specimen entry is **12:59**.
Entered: **3:52**
